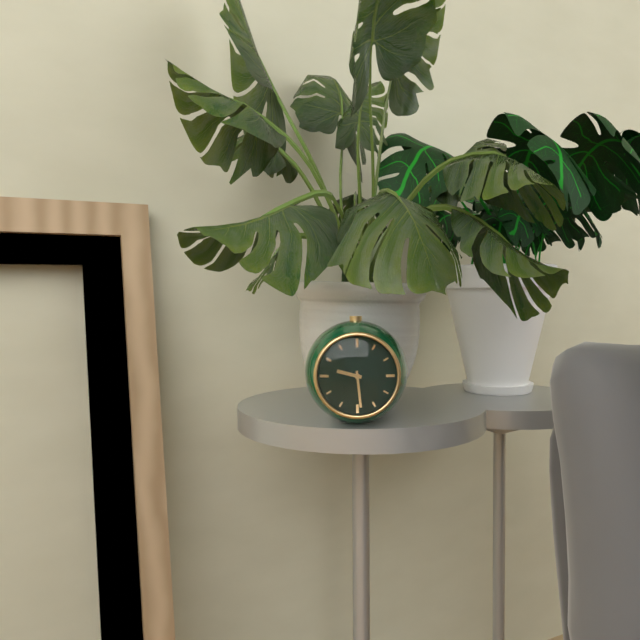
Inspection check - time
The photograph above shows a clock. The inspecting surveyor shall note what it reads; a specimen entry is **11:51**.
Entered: **9:29**
